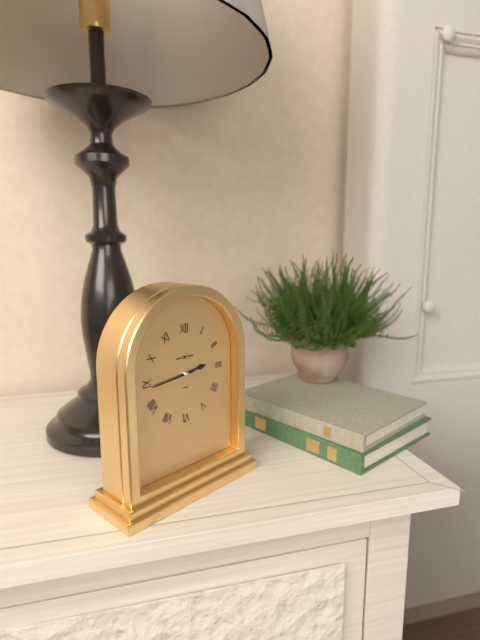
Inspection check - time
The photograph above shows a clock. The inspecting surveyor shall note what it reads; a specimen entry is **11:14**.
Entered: **2:44**
